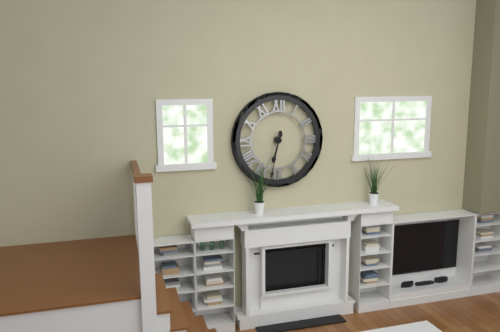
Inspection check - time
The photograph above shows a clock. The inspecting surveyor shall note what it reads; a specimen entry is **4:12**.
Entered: **6:32**
